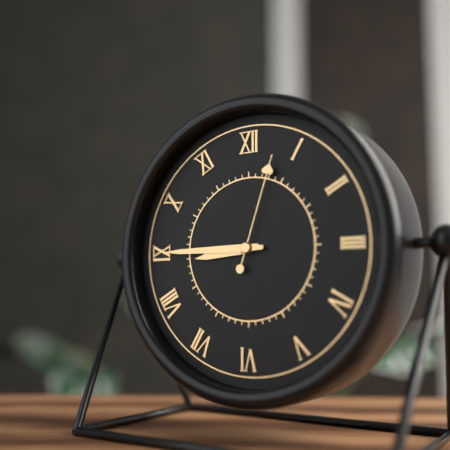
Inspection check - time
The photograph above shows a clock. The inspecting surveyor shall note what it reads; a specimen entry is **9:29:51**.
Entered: **8:45:03**
